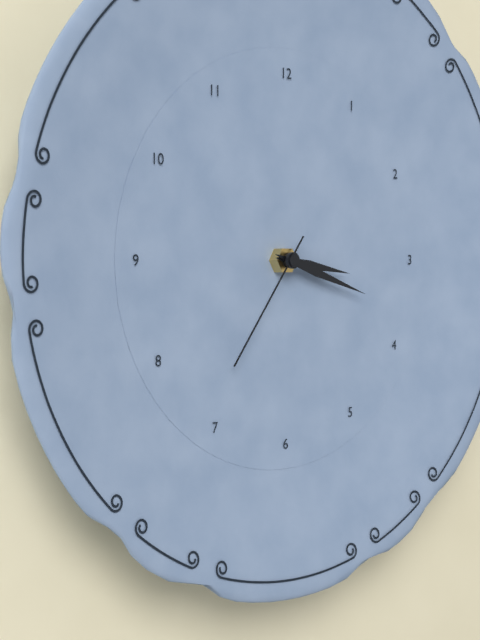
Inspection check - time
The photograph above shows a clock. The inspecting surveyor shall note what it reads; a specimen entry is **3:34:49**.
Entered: **3:18:36**
